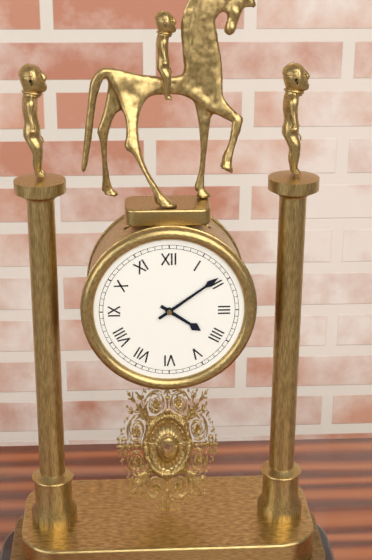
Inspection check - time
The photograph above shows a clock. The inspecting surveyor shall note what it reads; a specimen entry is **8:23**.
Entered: **4:09**
